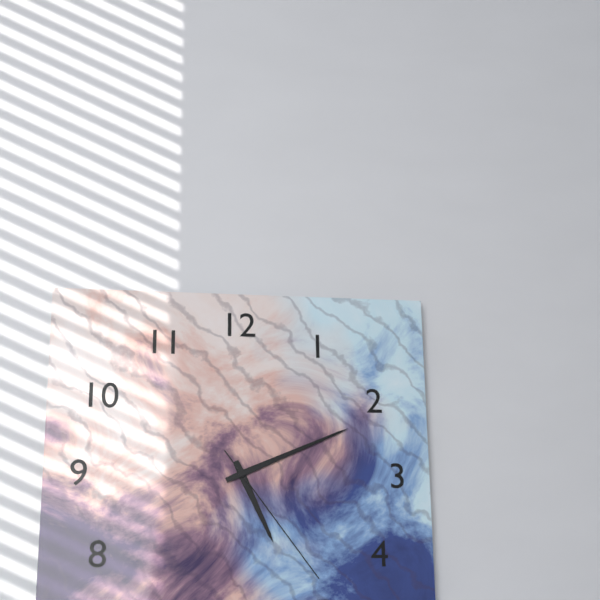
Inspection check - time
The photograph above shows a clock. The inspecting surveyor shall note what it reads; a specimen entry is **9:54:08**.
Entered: **5:11:24**
